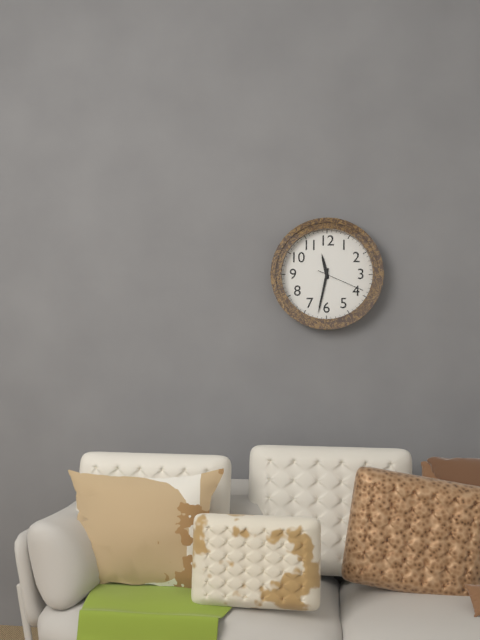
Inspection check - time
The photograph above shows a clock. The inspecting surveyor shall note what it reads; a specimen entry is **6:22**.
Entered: **11:32**
